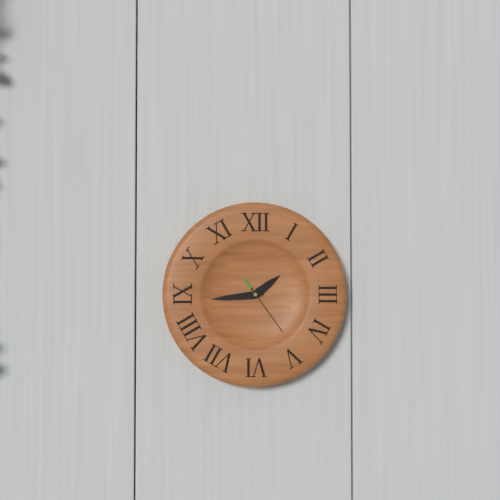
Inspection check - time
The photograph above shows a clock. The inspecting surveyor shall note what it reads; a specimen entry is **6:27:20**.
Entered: **1:44:24**
